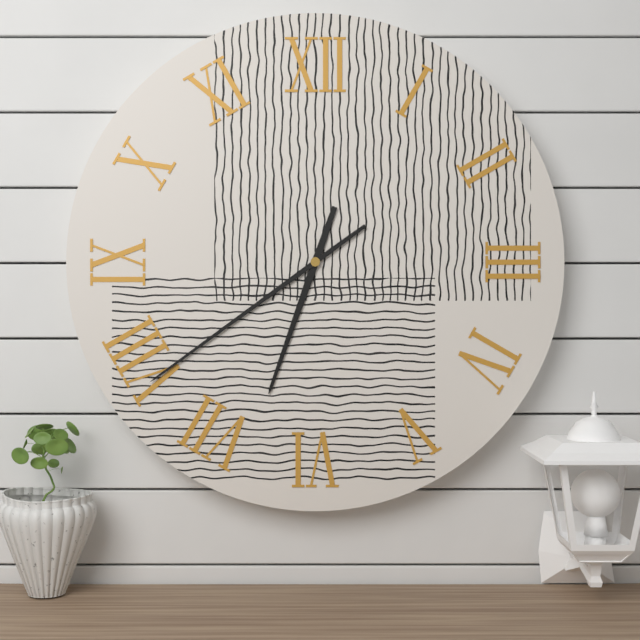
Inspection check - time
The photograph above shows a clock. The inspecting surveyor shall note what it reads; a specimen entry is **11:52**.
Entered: **6:39**
